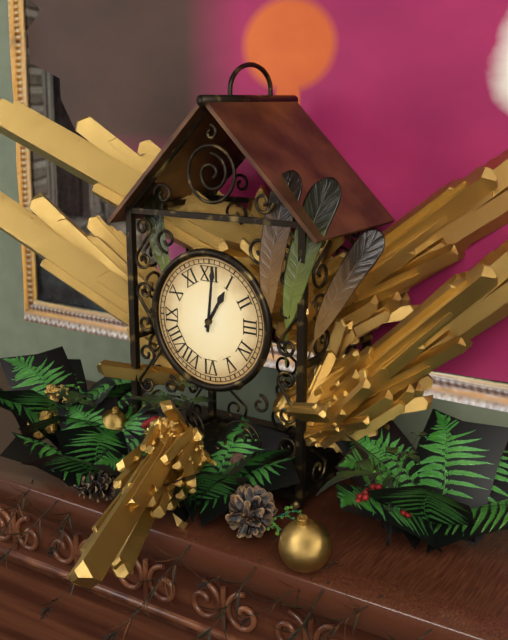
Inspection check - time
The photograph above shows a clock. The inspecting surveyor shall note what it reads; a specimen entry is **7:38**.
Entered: **1:01**
